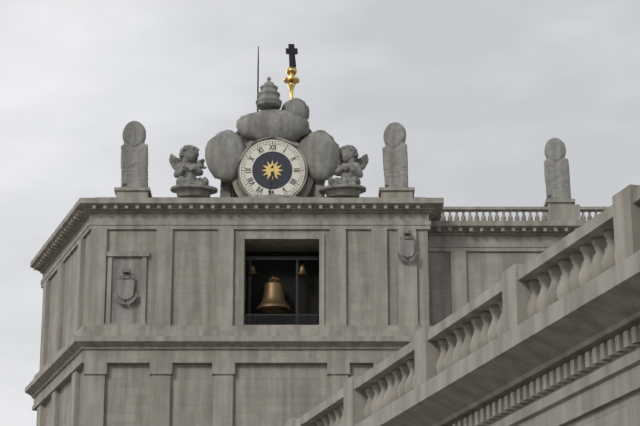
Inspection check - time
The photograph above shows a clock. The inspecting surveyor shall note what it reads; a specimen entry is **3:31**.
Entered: **5:31**
